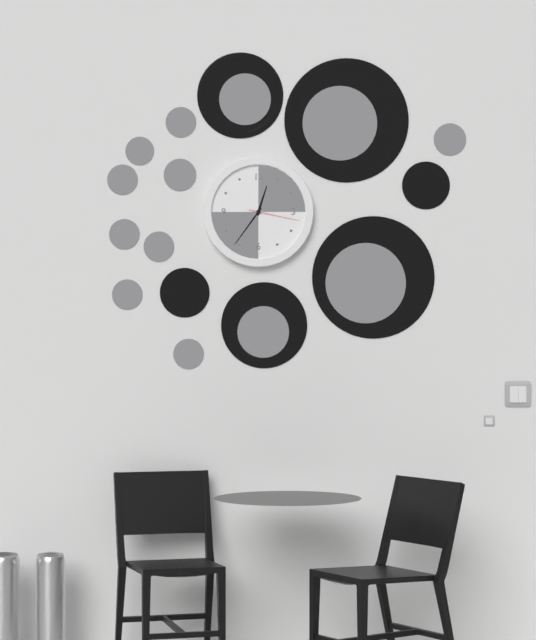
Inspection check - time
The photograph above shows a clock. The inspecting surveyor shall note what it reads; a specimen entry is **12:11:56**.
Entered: **12:36:17**
